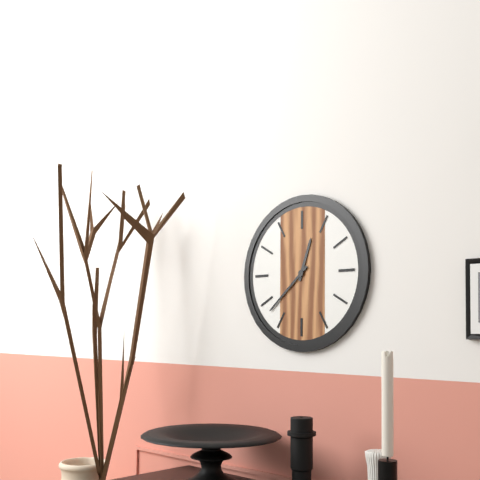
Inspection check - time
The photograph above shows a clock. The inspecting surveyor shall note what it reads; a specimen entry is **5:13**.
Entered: **12:38**
